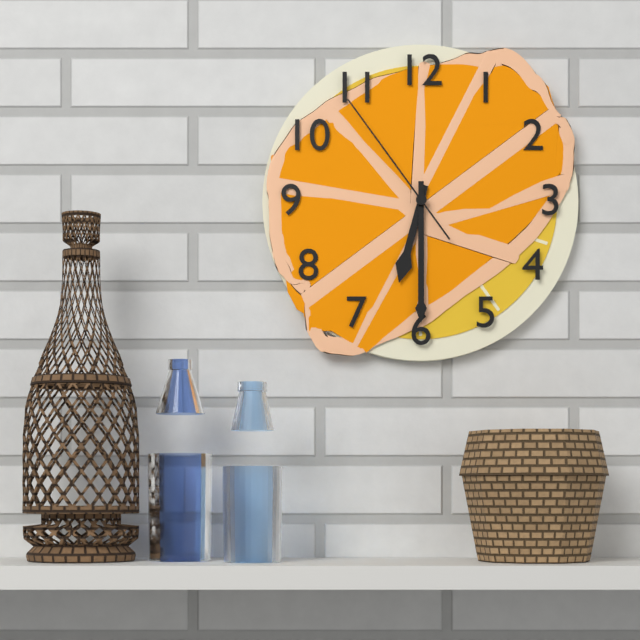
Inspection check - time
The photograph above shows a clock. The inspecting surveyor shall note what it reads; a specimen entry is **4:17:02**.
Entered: **6:30:54**
